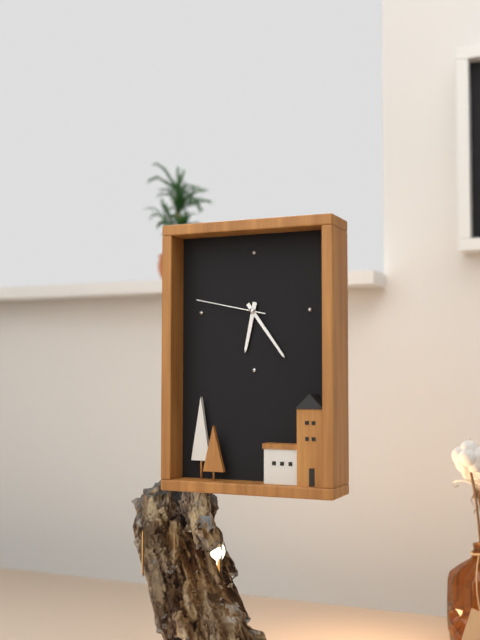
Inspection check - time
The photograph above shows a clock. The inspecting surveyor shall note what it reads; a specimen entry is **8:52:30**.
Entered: **6:24:47**
